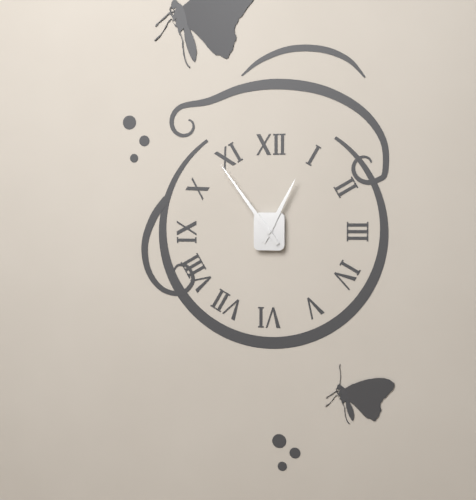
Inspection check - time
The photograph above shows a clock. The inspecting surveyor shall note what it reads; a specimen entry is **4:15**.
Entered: **12:54**
